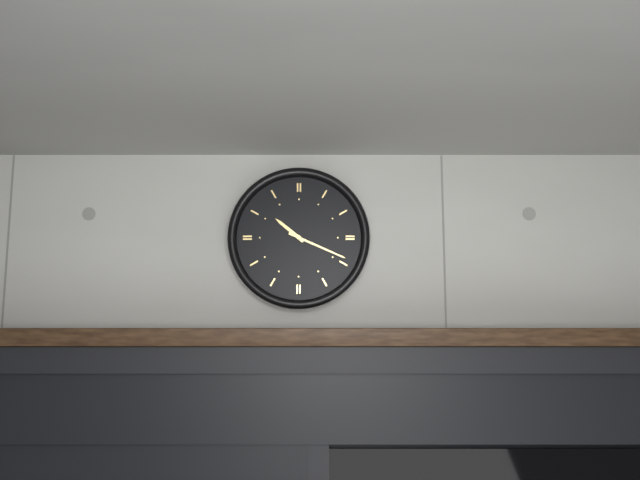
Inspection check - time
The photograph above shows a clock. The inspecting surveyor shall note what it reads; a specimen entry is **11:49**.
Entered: **10:19**
